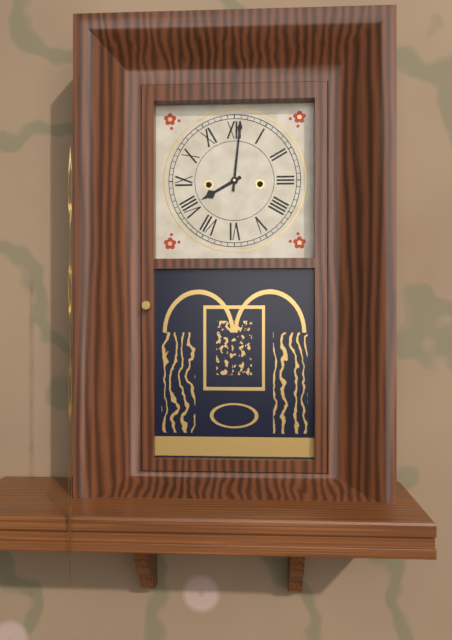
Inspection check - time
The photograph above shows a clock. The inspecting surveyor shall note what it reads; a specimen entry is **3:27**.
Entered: **8:01**
